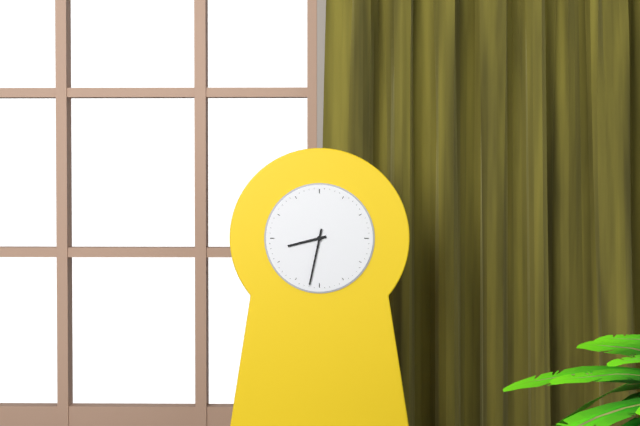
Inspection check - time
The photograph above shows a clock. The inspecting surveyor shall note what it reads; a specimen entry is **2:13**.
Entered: **8:32**
